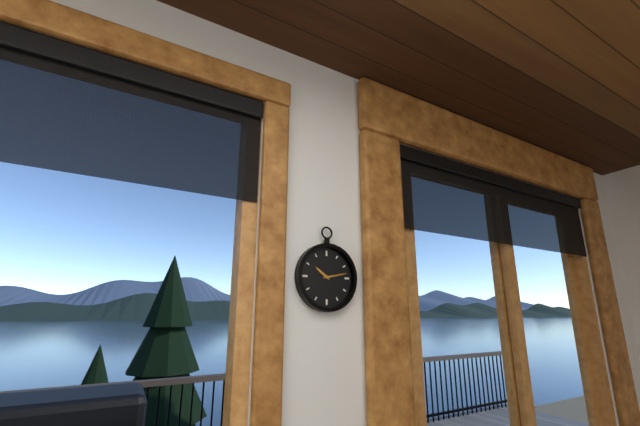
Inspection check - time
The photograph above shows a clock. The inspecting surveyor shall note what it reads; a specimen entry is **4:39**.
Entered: **10:13**
